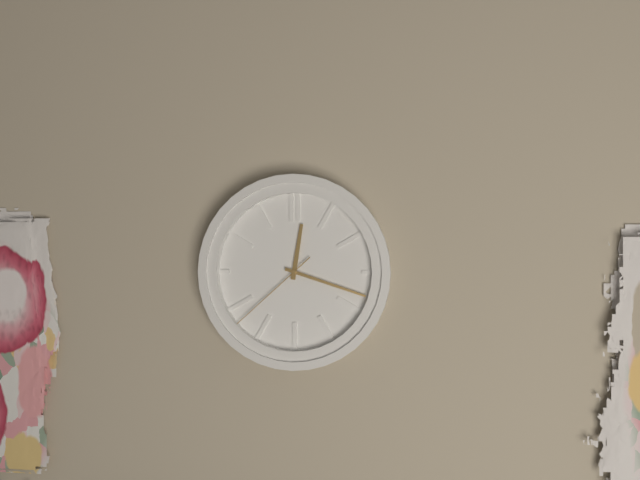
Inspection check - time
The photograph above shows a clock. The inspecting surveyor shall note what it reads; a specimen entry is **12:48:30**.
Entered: **12:18:38**
